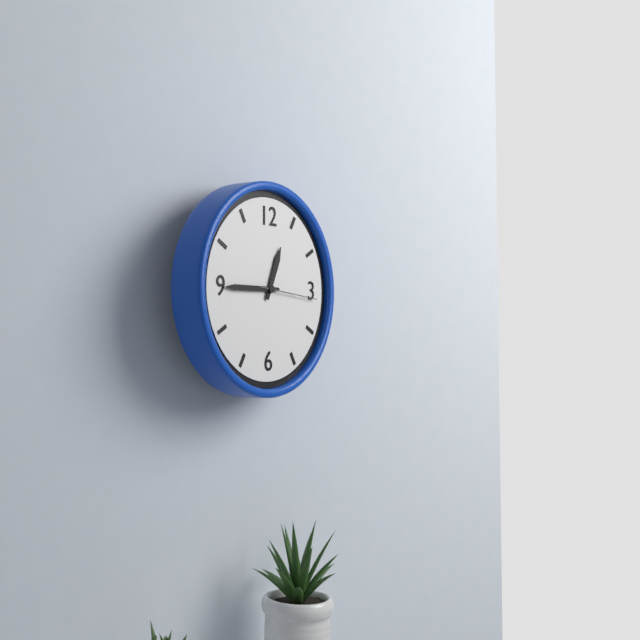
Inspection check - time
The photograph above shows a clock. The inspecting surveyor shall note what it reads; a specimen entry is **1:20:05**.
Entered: **12:45:16**
